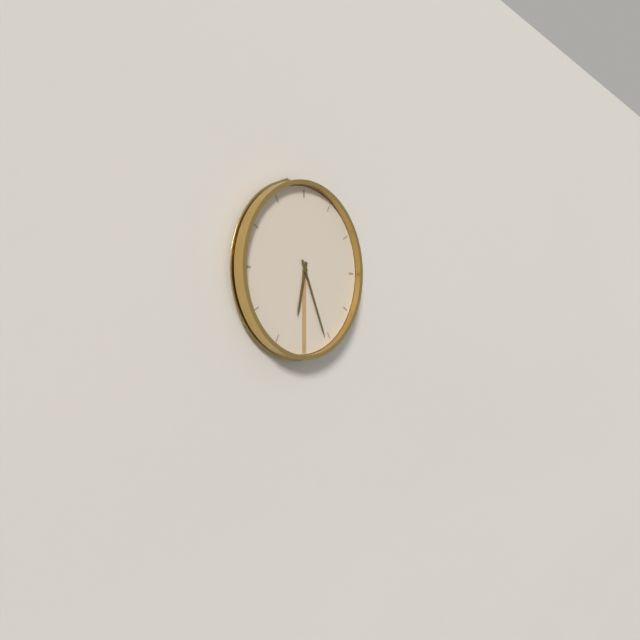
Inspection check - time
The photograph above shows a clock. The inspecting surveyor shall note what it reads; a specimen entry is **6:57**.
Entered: **6:26**
